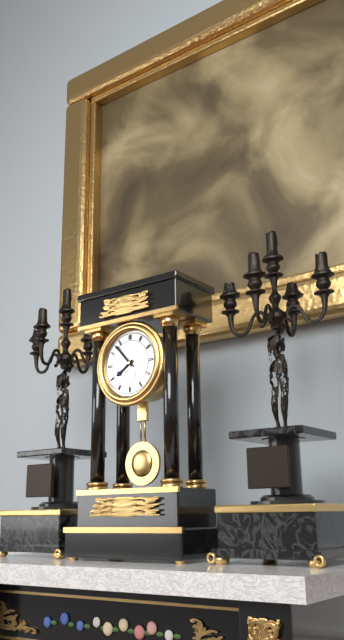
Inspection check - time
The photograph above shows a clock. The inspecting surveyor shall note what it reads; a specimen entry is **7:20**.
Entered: **7:53**
